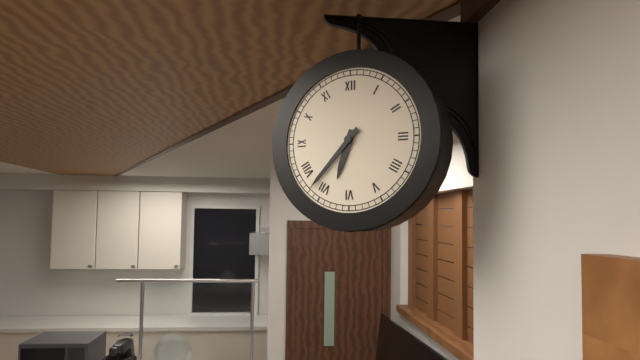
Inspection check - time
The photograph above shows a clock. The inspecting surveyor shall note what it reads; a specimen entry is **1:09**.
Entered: **6:37**
